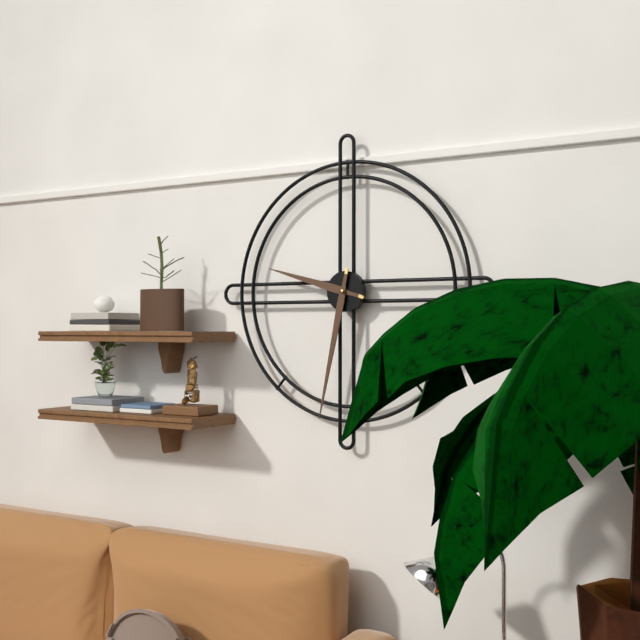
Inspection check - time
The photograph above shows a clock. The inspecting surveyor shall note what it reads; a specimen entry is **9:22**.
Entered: **9:32**
